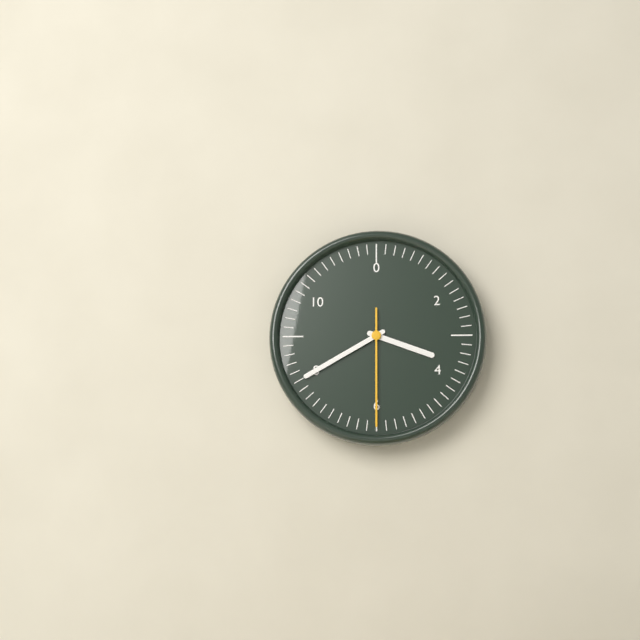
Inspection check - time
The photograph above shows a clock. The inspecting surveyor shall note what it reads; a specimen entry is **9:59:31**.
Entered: **3:40:30**
